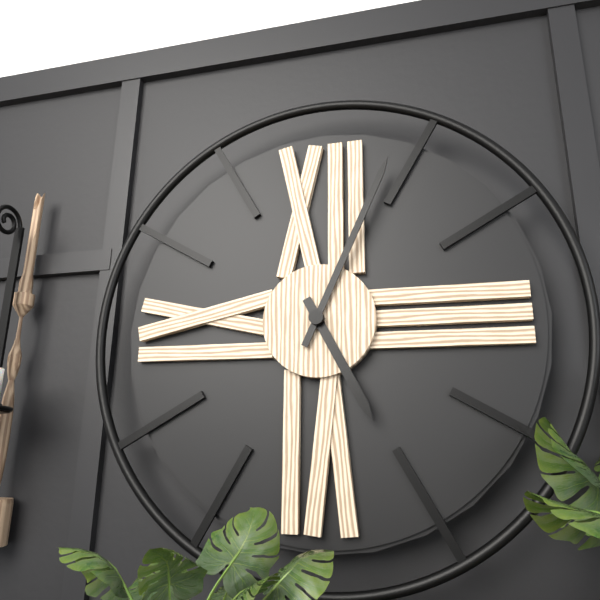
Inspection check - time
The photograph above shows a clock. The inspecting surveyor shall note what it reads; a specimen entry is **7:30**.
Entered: **5:04**
